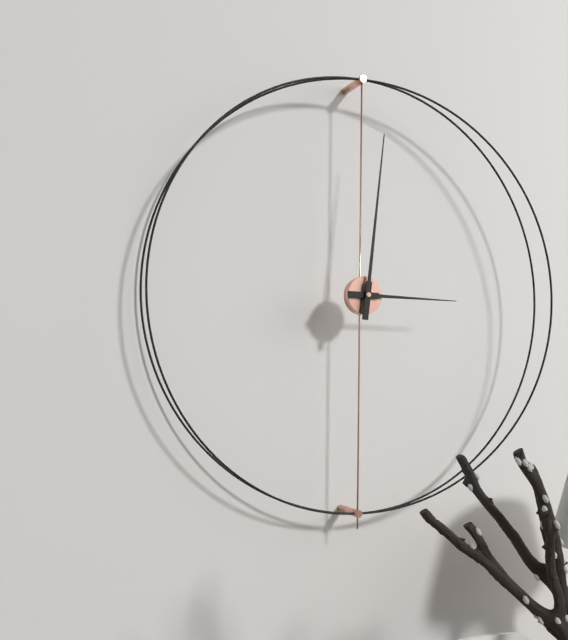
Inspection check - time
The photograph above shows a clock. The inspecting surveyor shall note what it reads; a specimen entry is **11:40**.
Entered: **3:01**
